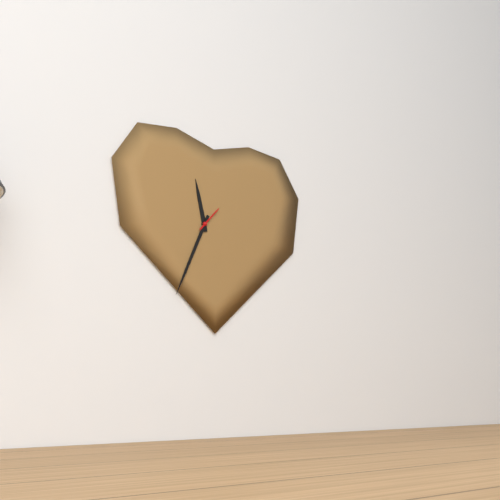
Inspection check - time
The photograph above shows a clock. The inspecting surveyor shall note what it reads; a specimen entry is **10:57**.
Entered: **11:34**
